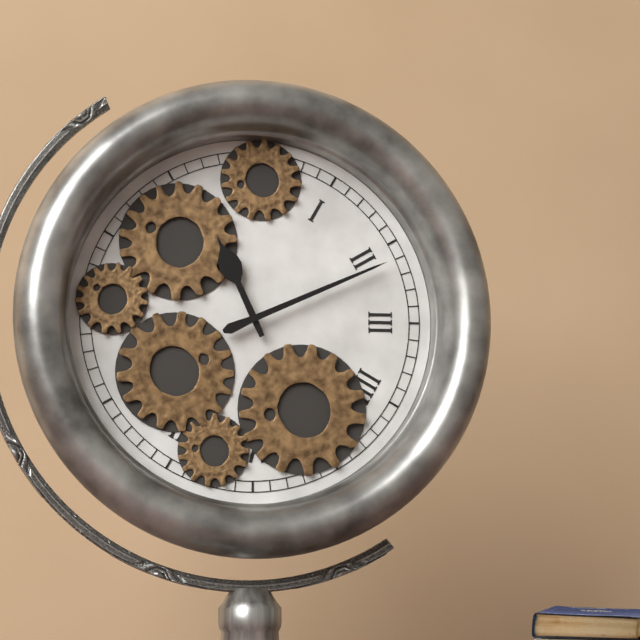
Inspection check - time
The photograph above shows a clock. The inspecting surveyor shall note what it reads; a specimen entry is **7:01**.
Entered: **11:11**
